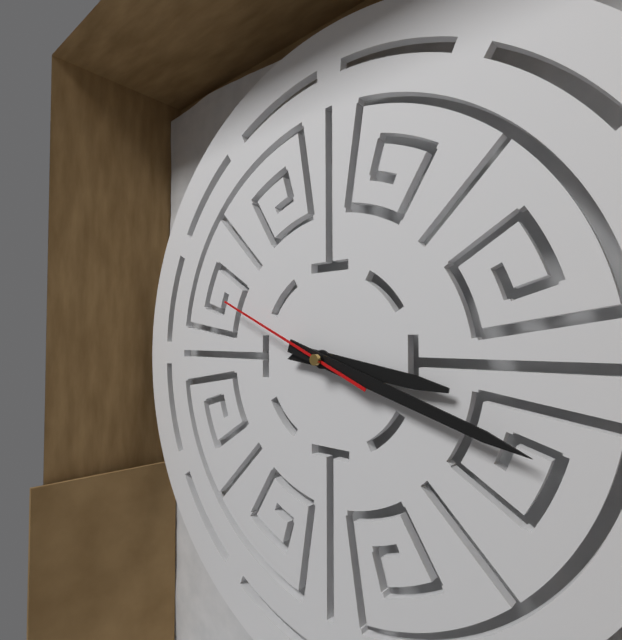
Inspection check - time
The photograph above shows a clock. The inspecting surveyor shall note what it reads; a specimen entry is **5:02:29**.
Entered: **3:18:49**
